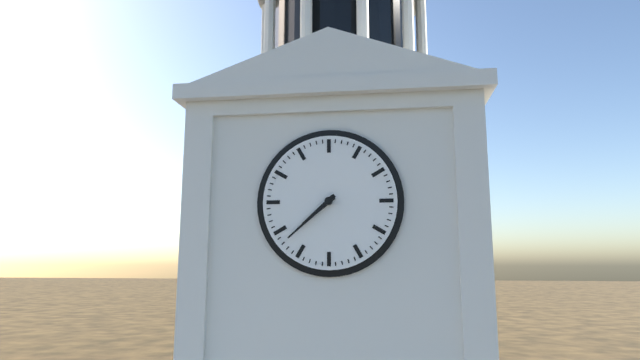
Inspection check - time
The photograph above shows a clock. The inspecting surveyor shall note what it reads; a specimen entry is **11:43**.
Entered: **7:38**
